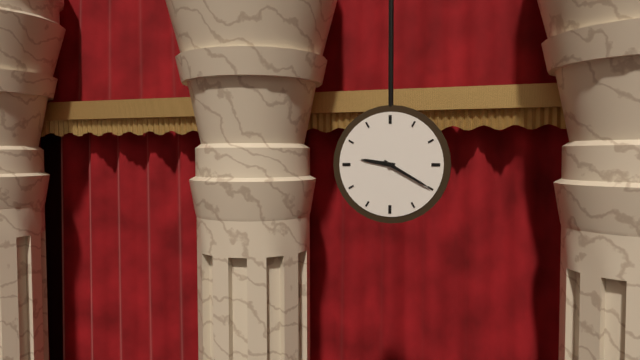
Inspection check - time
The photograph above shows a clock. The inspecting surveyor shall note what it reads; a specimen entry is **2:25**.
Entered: **9:20**
